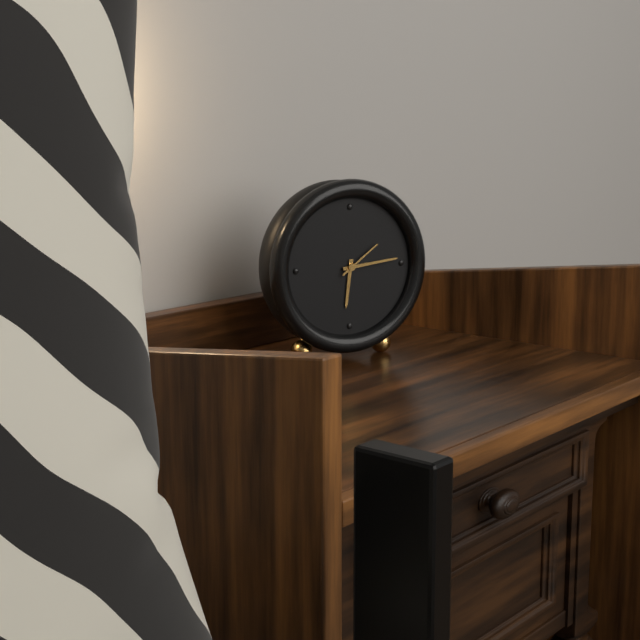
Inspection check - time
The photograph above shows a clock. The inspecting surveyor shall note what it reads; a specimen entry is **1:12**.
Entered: **6:14**
